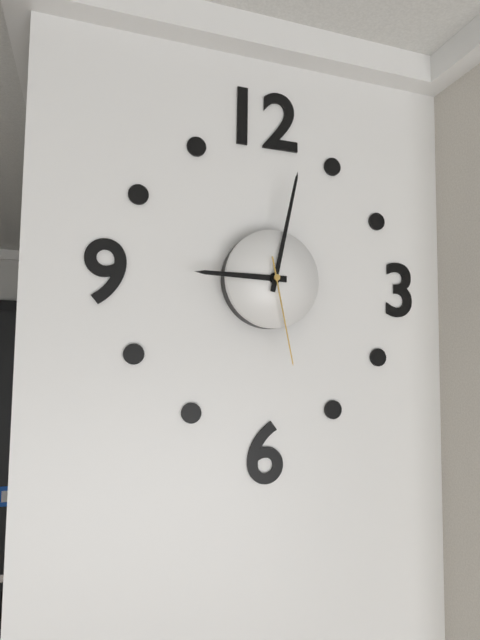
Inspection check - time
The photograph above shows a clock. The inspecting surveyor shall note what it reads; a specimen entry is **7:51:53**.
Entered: **9:02:28**
